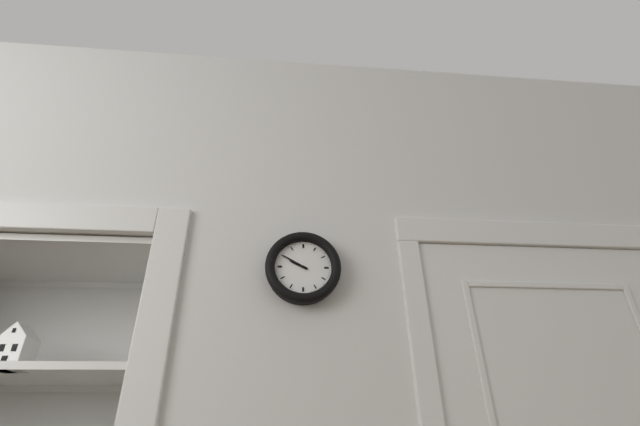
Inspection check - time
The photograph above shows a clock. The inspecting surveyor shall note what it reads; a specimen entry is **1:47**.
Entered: **9:50**
